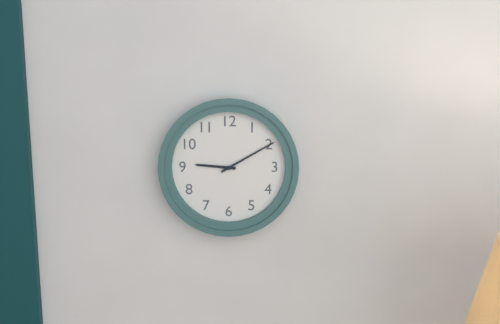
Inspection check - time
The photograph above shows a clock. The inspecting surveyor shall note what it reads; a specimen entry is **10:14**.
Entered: **9:10**
